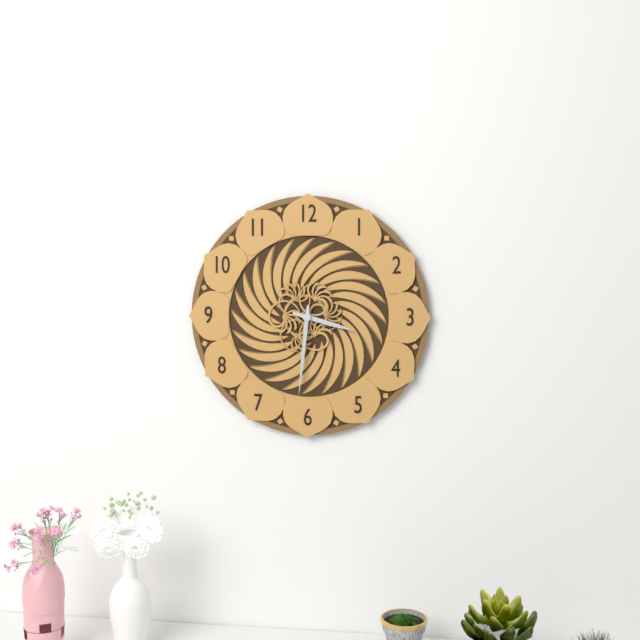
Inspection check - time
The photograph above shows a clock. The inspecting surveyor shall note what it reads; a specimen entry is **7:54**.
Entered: **3:31**
